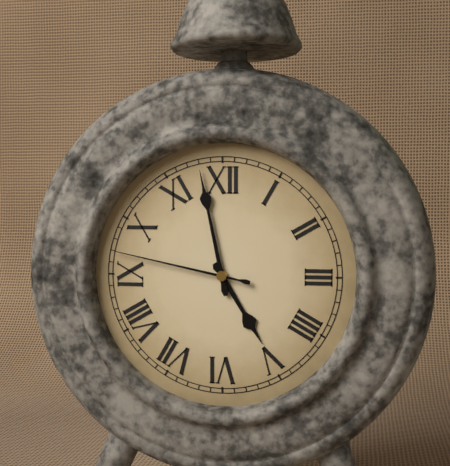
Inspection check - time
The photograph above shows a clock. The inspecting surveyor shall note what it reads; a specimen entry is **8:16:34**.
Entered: **4:58:47**
